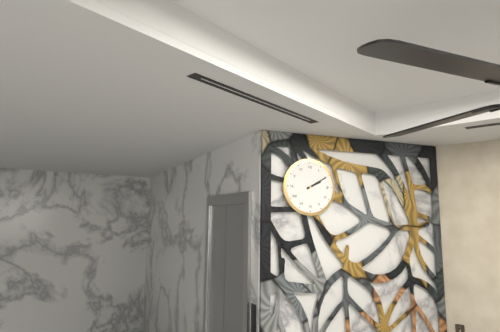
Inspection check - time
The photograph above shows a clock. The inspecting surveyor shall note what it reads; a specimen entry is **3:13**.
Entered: **2:10**
